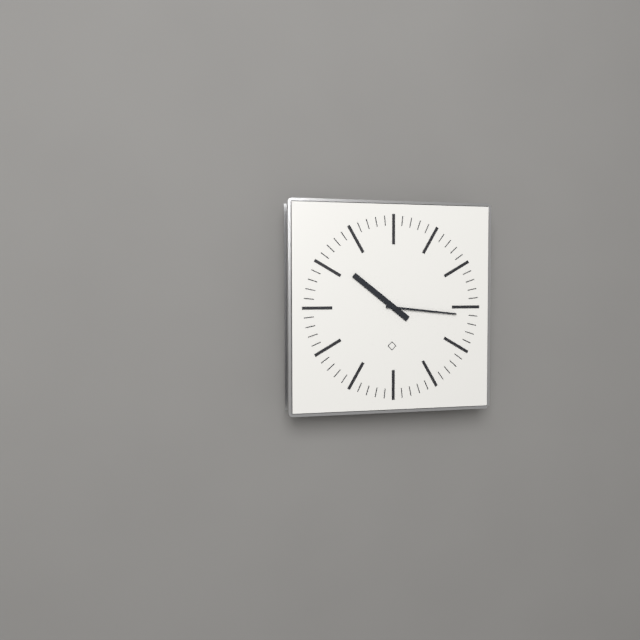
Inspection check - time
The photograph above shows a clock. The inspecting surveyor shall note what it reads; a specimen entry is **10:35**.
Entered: **10:16**
